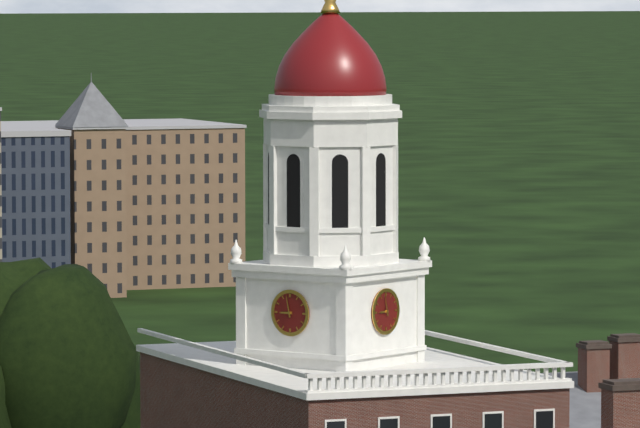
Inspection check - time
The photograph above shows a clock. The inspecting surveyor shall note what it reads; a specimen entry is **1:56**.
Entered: **8:58**
